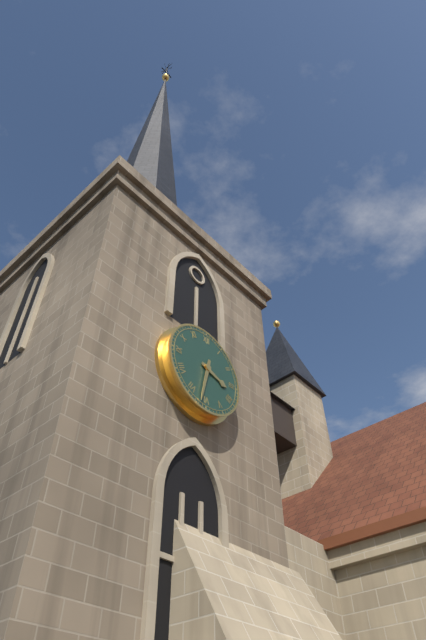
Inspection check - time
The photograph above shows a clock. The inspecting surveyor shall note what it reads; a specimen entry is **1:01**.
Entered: **3:32**
